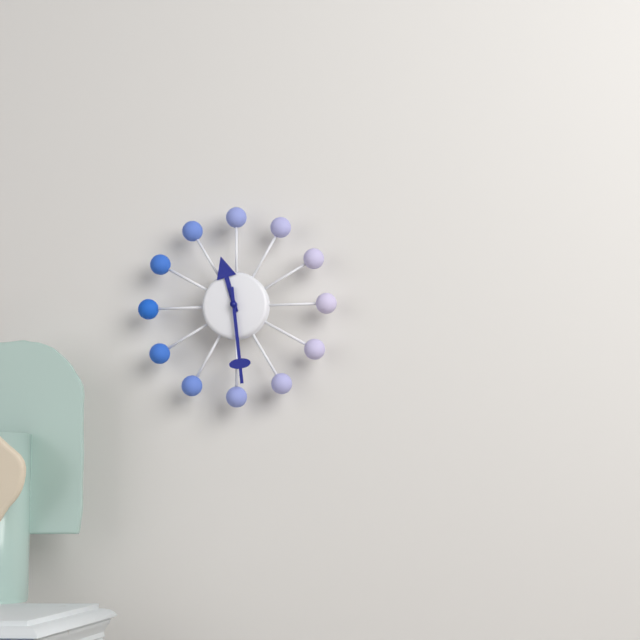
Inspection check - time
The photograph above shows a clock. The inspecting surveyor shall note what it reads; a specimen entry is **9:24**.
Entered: **11:29**
